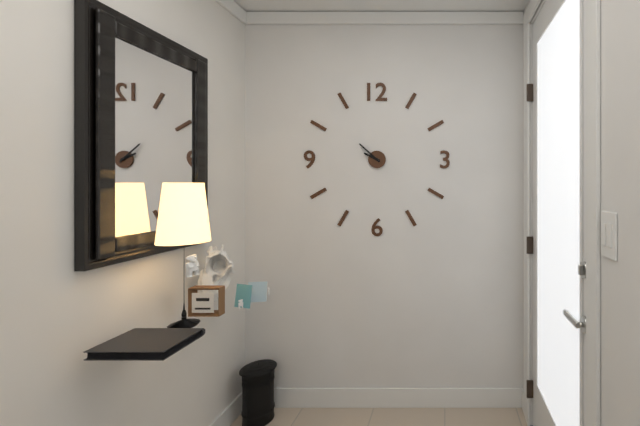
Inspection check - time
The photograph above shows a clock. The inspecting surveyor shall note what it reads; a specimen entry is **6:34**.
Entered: **9:52**
